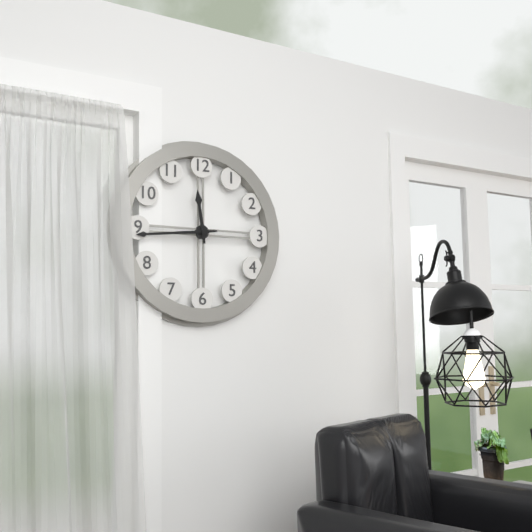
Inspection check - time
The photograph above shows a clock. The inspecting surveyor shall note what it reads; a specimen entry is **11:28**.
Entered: **11:44**
